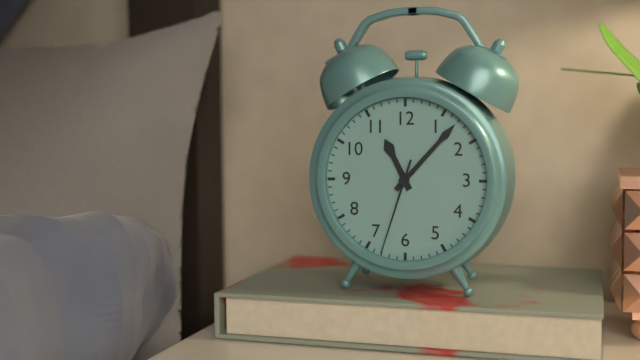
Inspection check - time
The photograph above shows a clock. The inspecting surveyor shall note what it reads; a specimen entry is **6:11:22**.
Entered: **11:07:33**
